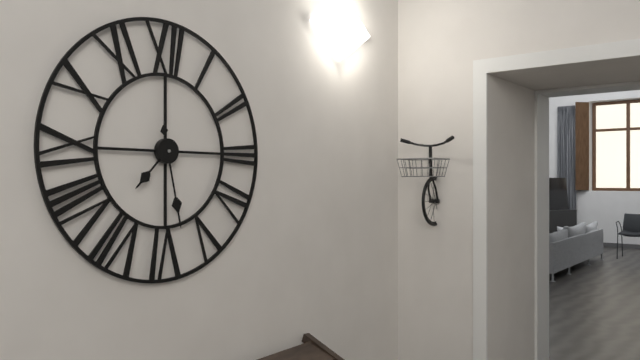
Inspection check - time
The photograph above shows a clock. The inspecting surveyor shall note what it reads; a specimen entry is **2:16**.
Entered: **7:28**
